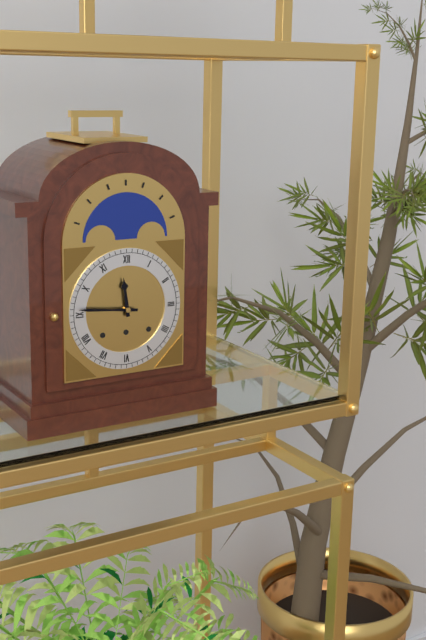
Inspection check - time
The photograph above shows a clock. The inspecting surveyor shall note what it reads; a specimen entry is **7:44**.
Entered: **11:46**
